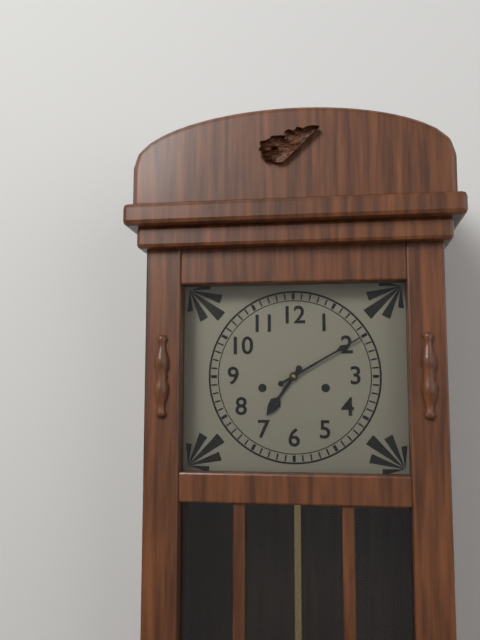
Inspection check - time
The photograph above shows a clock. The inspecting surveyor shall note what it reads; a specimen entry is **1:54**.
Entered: **7:10**
